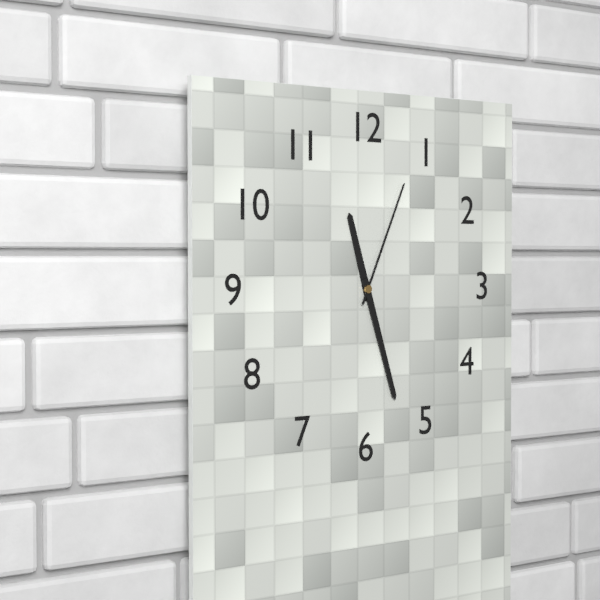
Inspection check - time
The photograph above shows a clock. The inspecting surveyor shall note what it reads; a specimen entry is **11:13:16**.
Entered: **11:27:04**
